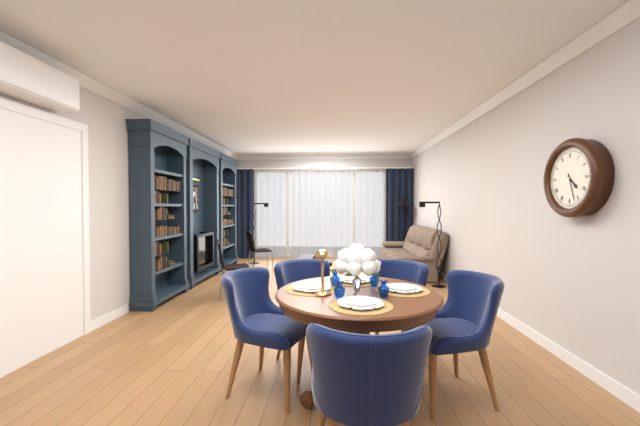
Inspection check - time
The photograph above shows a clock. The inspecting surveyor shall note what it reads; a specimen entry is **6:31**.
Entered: **4:27**
